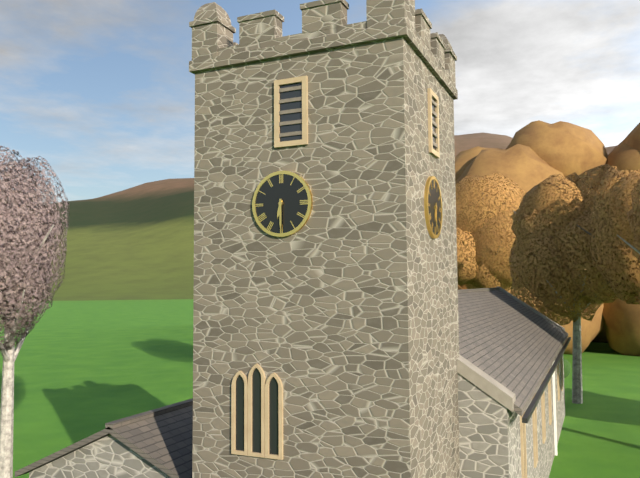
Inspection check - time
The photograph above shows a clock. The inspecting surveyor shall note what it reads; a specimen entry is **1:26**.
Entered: **6:30**
